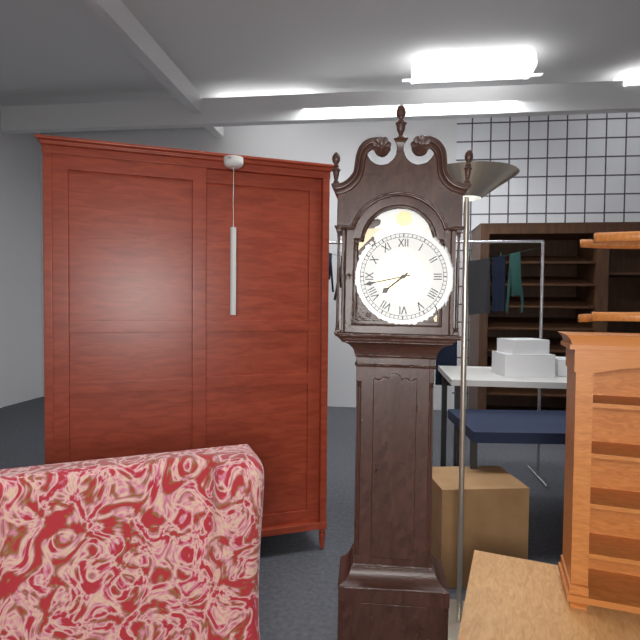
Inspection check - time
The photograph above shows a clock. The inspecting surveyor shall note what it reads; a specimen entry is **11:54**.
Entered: **7:43**
